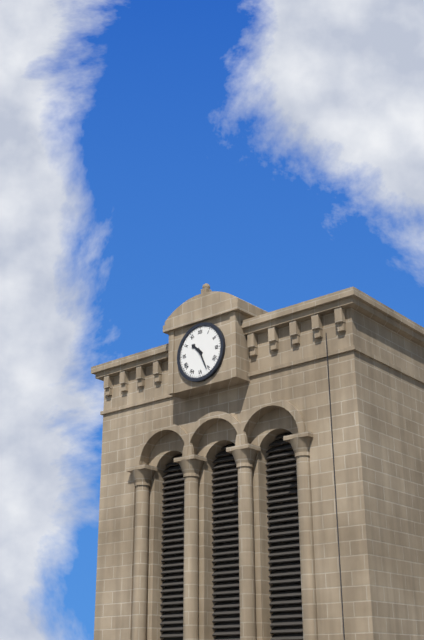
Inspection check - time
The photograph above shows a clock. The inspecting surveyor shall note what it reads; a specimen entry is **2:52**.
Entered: **10:26**
